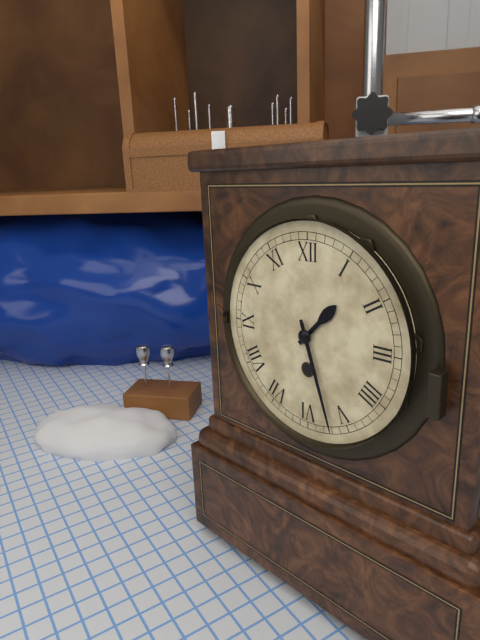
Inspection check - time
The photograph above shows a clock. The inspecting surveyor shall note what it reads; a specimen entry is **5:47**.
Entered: **1:27**
